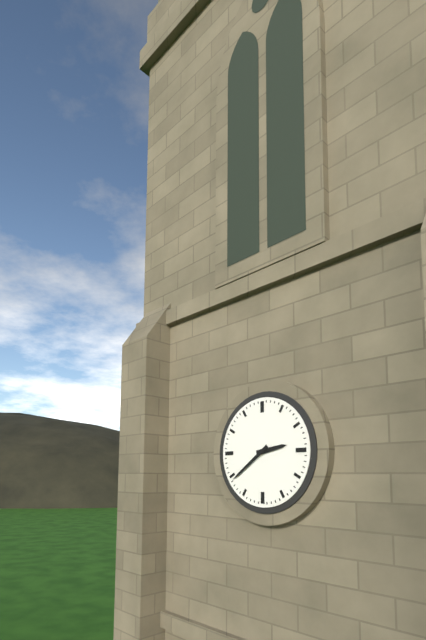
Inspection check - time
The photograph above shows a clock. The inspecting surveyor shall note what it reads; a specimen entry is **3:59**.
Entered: **2:39**
